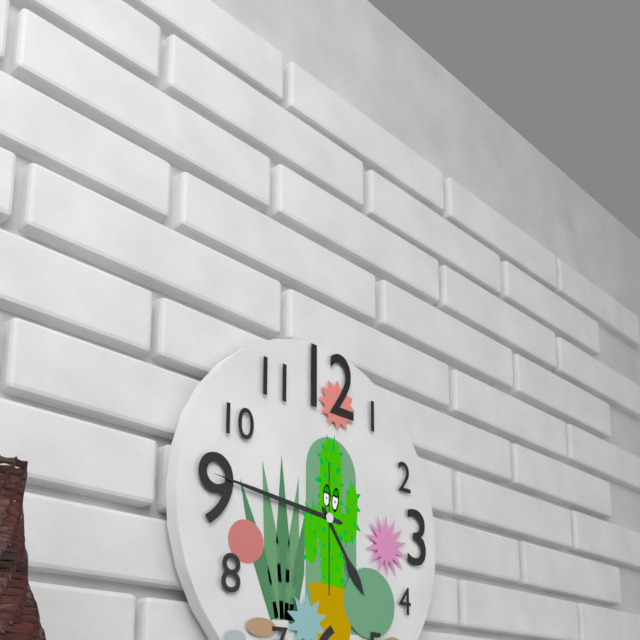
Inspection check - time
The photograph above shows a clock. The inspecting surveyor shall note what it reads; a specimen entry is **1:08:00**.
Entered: **4:46:30**
